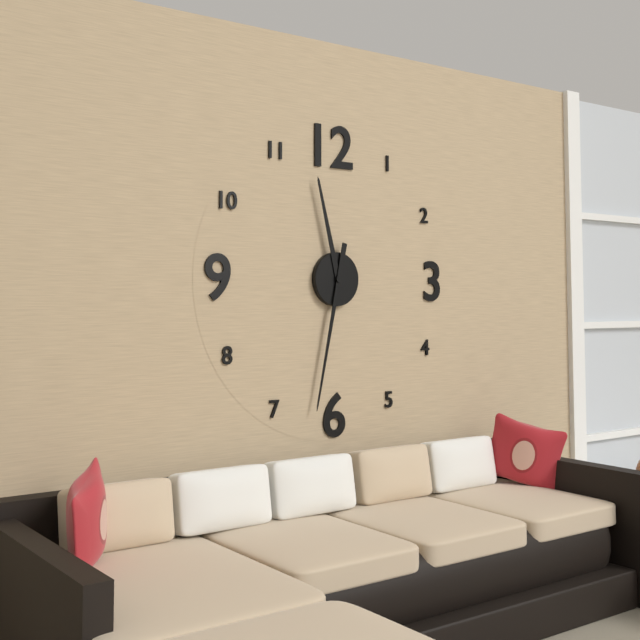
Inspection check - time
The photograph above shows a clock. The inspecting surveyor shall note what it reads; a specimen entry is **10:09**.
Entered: **11:32**
